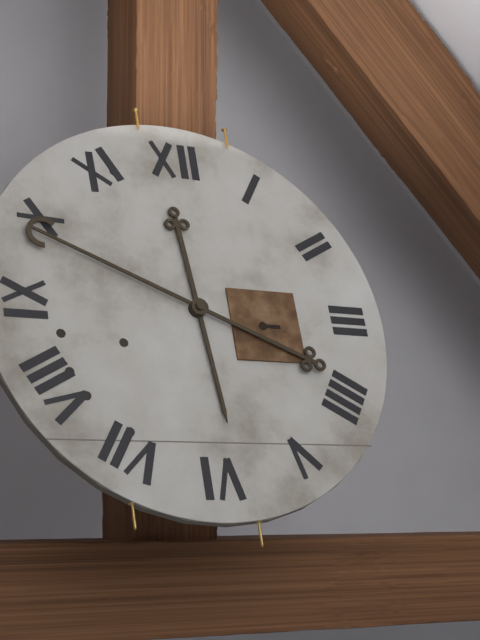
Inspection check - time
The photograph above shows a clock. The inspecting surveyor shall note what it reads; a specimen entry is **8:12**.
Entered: **5:49**
